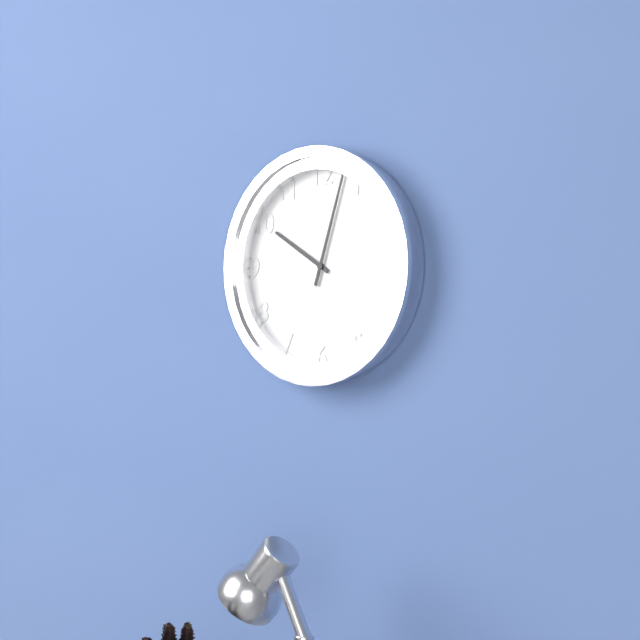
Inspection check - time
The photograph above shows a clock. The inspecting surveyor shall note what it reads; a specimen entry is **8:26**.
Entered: **10:03**
